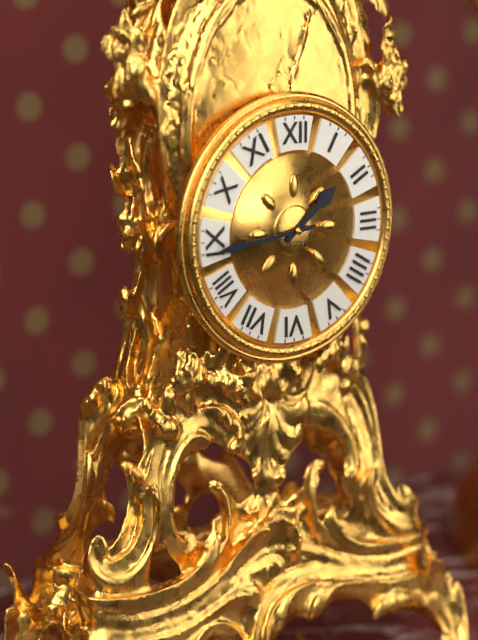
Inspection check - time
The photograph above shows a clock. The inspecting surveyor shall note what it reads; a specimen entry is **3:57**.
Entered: **1:44**
